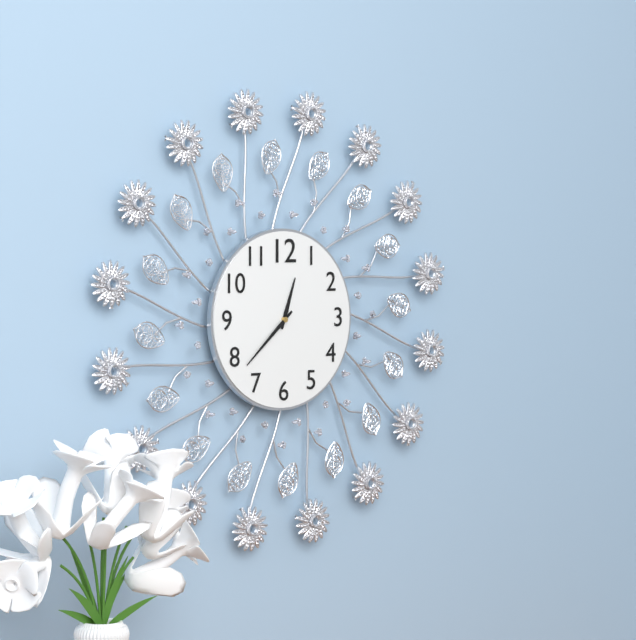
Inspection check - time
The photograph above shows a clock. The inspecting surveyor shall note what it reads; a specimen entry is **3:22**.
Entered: **12:38**
